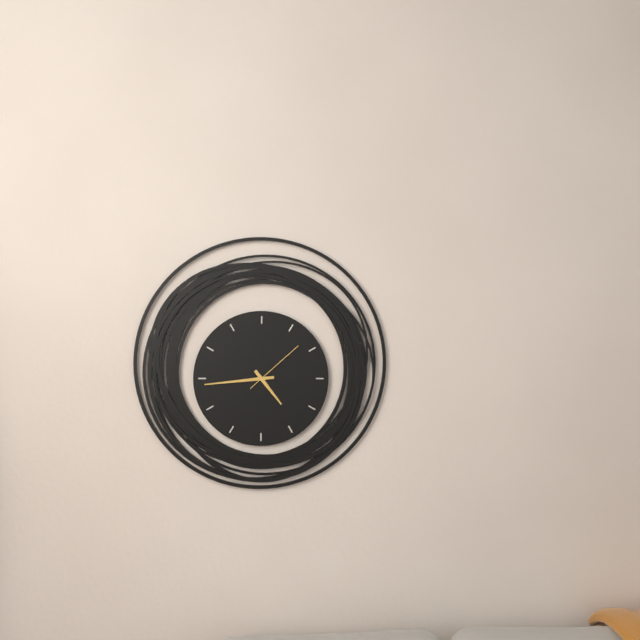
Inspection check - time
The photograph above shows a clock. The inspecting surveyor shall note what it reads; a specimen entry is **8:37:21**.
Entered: **4:44:08**
